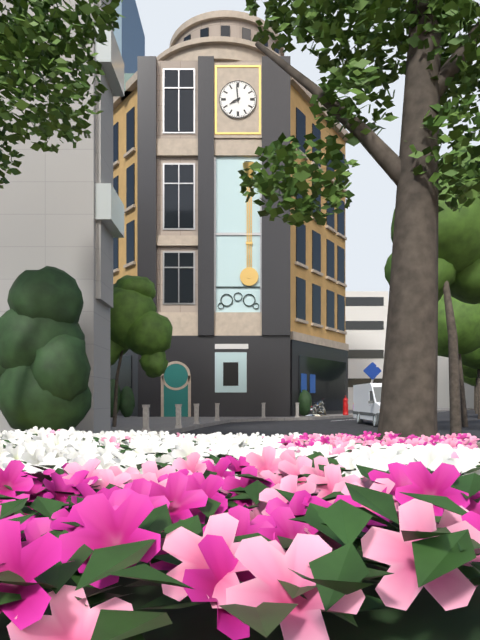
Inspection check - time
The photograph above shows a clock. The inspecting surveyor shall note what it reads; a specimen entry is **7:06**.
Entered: **7:59**
